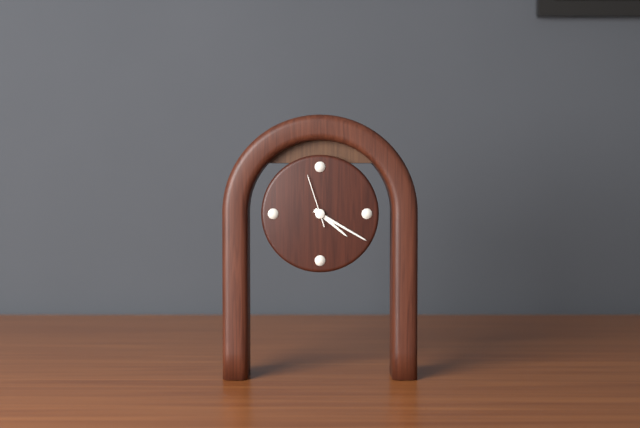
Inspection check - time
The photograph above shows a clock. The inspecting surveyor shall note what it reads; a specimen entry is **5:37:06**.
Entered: **4:20:57**
